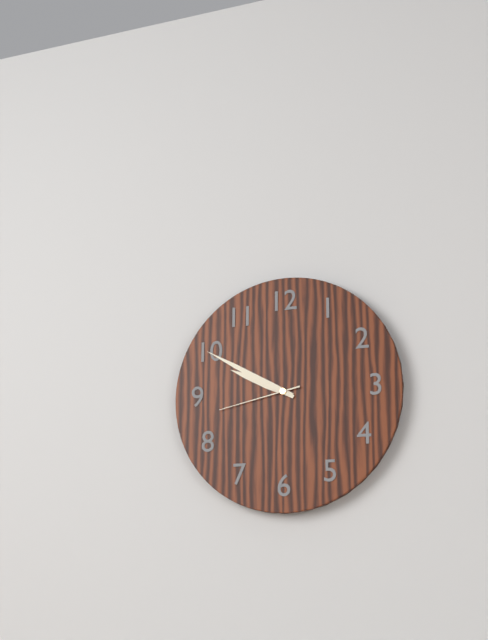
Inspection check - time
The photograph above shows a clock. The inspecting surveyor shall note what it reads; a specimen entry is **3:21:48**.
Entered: **9:50:43**
